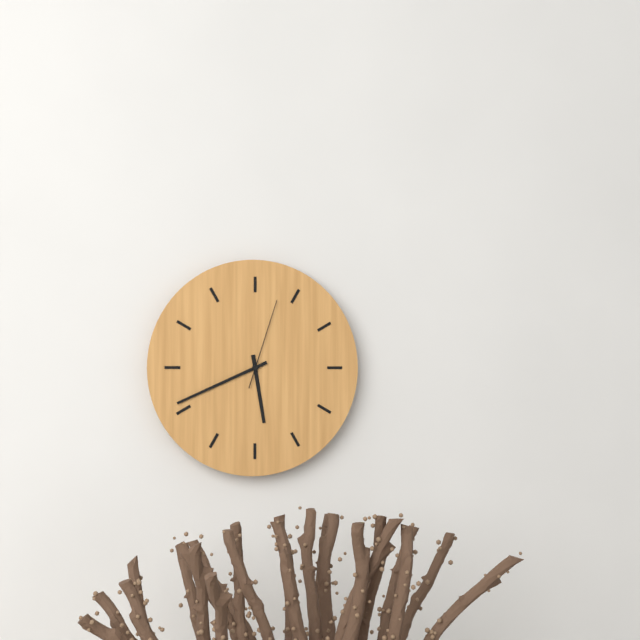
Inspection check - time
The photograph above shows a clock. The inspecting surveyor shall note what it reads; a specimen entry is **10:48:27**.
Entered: **5:41:03**
